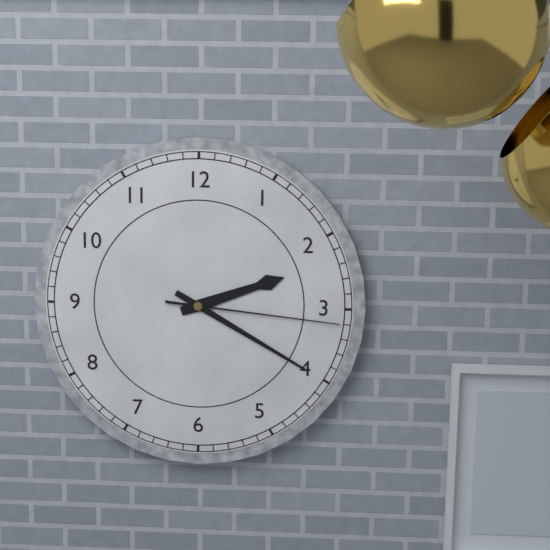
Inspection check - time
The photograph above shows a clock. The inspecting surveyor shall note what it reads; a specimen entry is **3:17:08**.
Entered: **2:20:16**
